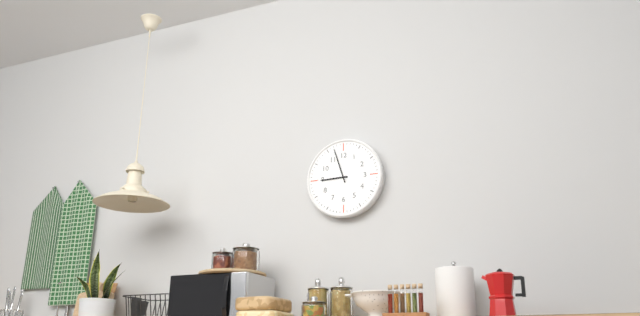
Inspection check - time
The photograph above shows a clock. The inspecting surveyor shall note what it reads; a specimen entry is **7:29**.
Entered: **8:57**
